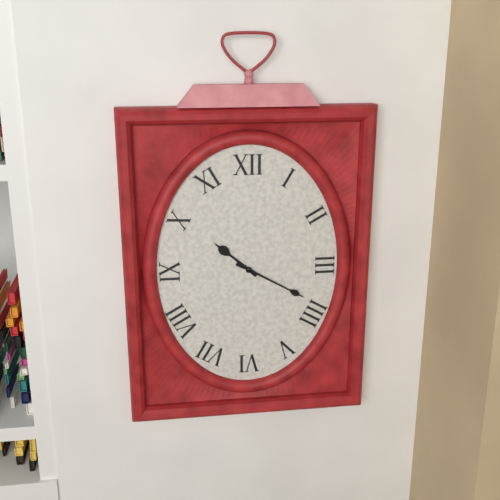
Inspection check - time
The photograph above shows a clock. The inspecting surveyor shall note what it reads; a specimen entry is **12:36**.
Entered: **10:20**
